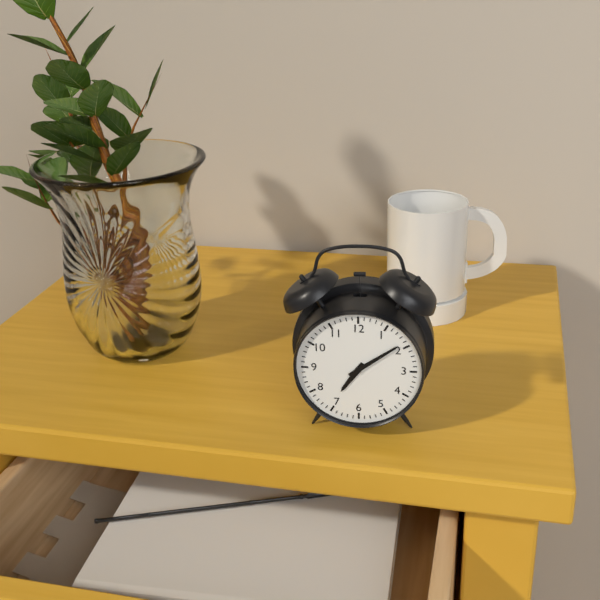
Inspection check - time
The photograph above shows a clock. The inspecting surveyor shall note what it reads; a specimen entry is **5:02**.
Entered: **7:09**
